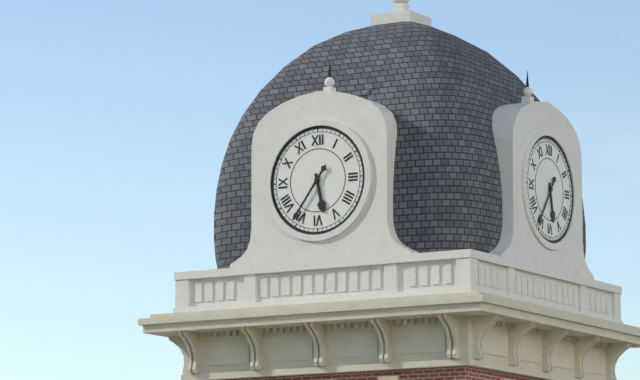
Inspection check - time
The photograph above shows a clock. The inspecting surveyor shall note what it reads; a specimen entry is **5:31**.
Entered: **5:36**
